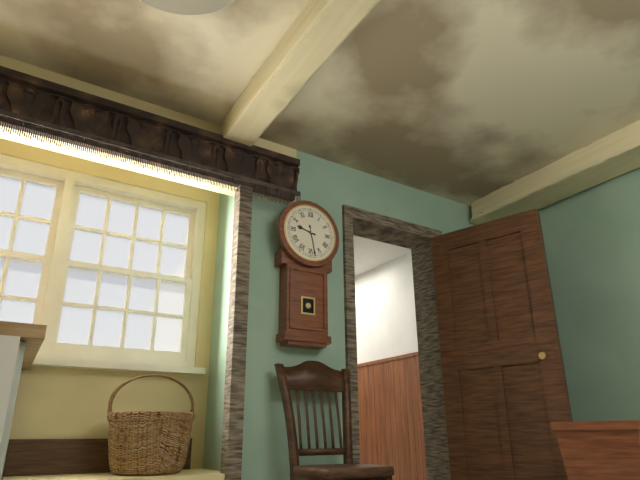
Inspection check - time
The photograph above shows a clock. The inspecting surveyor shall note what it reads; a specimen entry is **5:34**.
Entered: **9:28**
